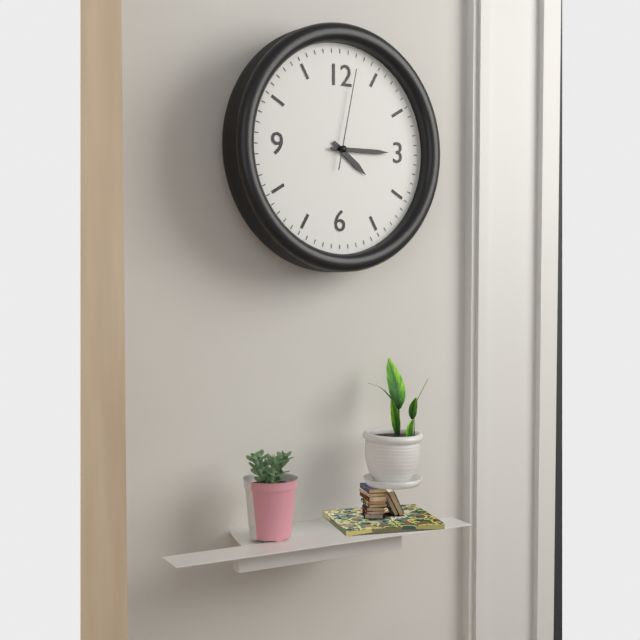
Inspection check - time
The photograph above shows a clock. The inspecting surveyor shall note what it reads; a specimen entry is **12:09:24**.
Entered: **4:15:02**
